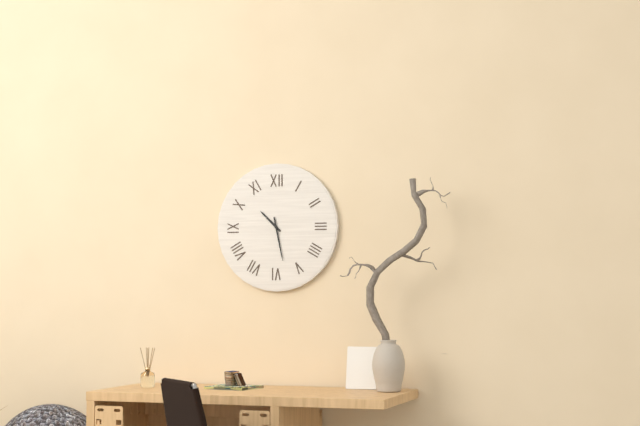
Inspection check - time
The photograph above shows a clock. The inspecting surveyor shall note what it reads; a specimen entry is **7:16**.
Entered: **10:28**
